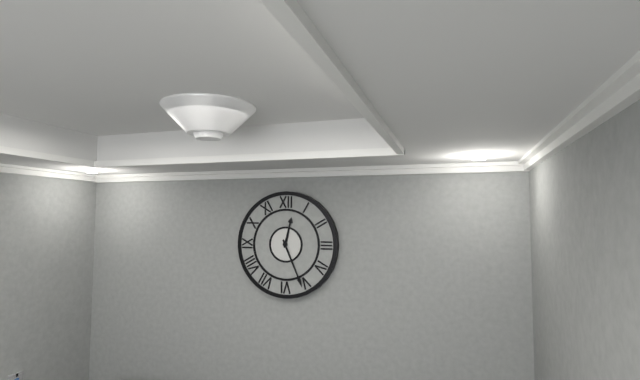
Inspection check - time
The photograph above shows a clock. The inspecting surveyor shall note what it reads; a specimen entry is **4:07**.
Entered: **12:26**
